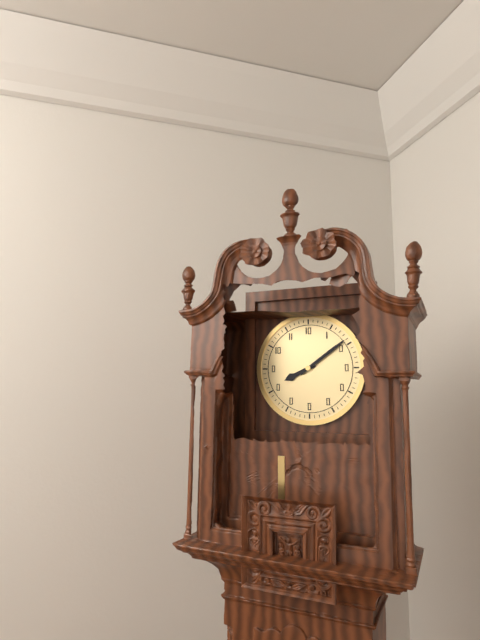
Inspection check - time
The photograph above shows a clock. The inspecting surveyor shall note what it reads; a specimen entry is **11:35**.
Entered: **8:09**
